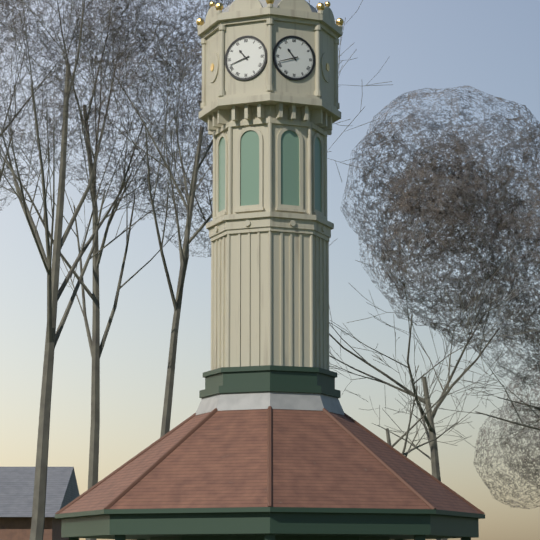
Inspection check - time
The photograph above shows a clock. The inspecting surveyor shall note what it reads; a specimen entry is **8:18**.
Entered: **10:42**
